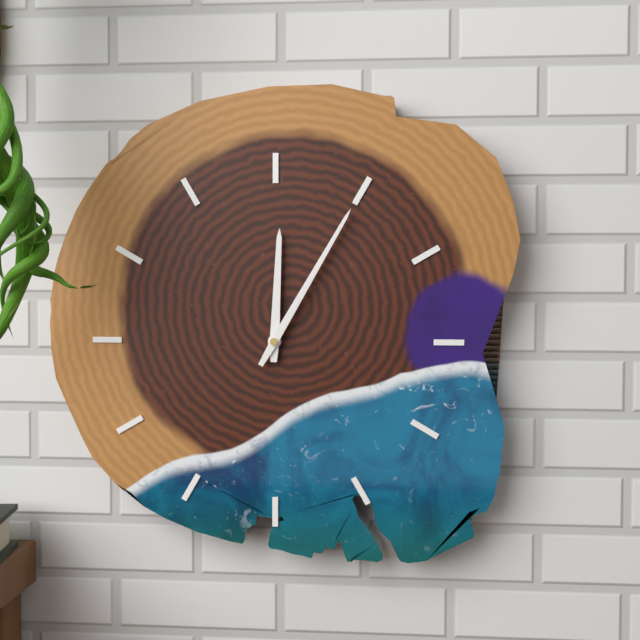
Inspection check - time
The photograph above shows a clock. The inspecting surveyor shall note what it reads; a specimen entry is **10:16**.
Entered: **12:05**
